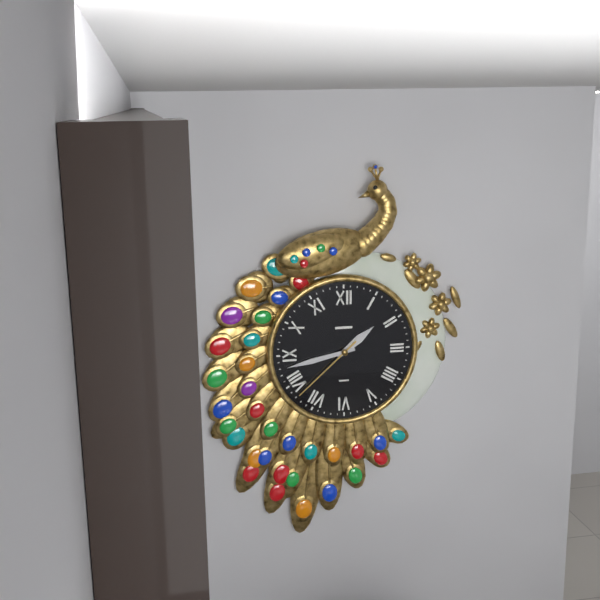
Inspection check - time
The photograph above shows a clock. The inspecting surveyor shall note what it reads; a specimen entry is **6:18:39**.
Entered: **1:43:38**
